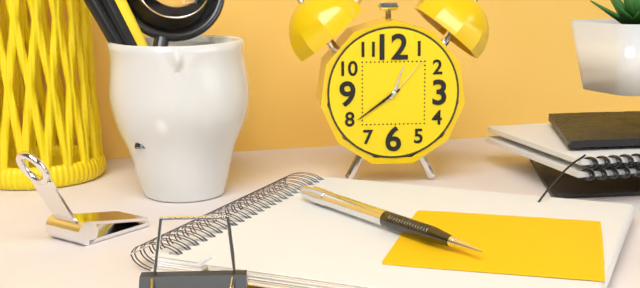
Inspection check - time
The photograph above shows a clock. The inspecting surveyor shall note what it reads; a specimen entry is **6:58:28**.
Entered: **12:39:07**
